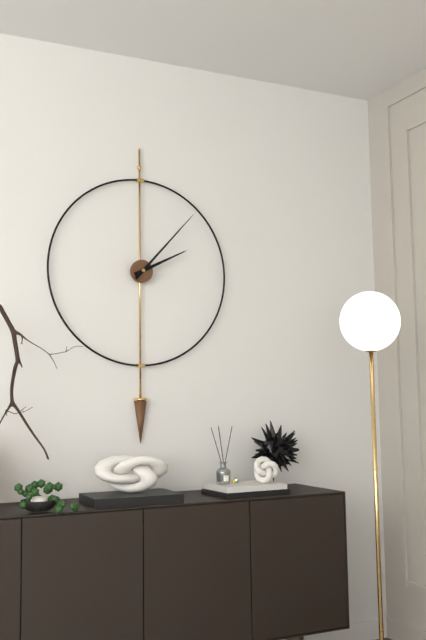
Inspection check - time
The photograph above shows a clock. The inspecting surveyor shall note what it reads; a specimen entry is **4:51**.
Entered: **2:07**
